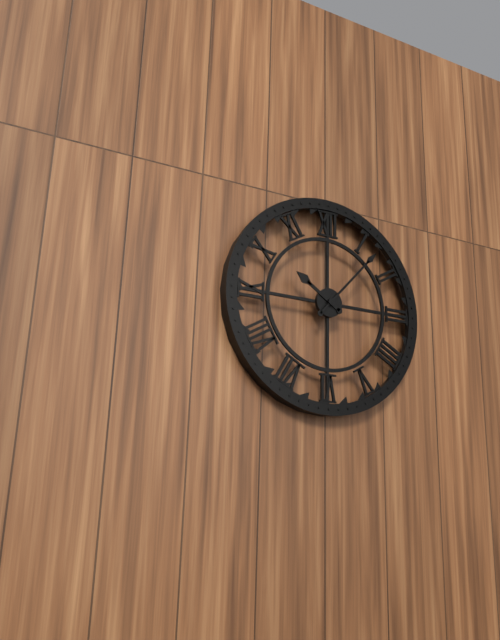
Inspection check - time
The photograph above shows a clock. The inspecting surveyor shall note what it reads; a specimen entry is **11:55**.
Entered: **10:07**
